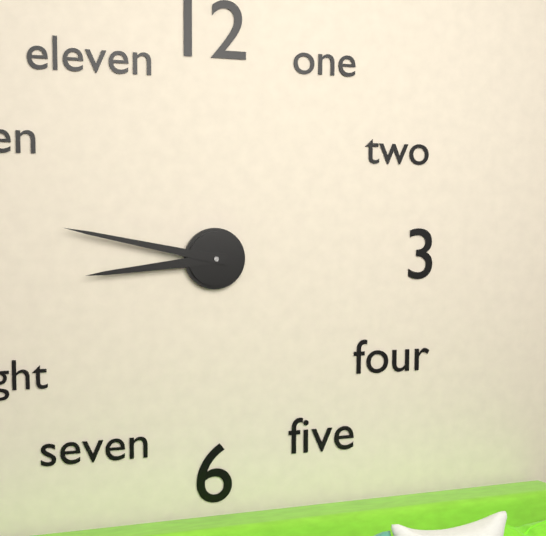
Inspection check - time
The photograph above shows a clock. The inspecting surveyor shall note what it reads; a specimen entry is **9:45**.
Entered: **8:47**
